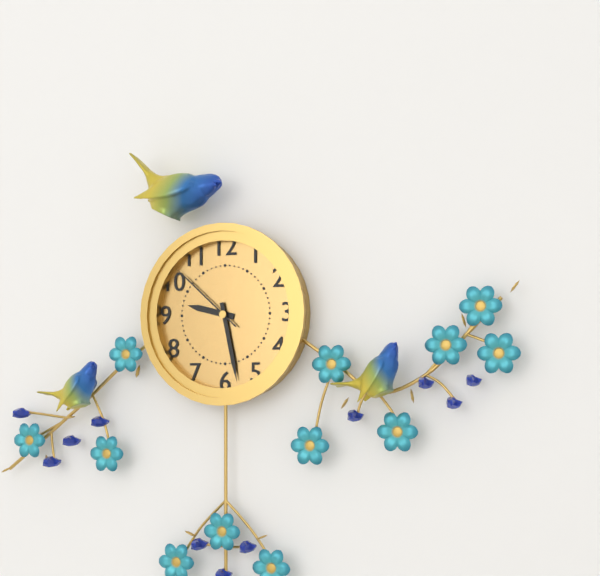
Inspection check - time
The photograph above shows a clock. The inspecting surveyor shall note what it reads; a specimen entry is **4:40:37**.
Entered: **9:28:52**
